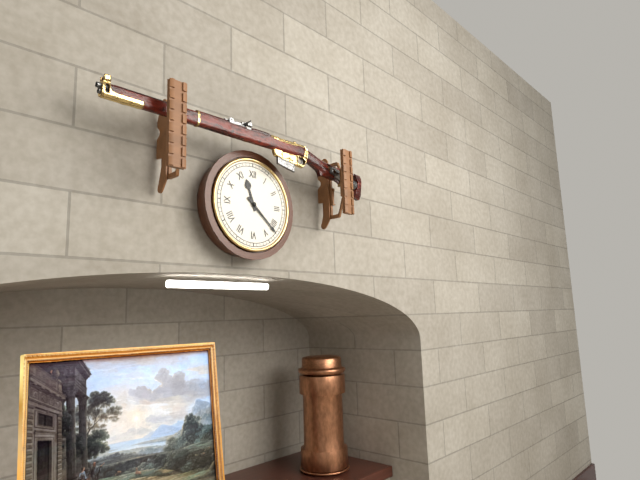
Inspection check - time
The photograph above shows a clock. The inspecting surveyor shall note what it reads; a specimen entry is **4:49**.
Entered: **11:22**
